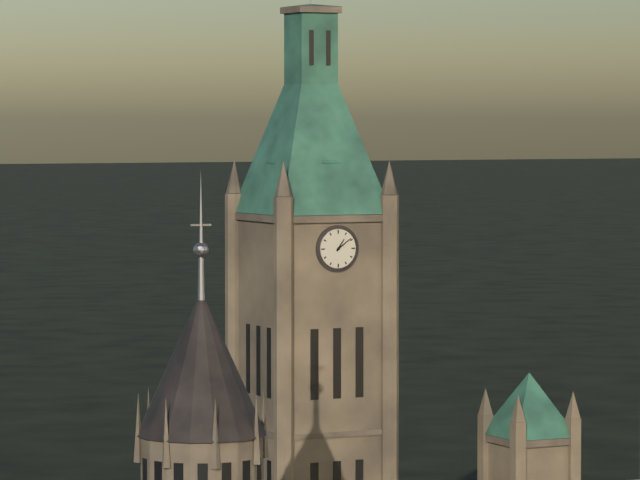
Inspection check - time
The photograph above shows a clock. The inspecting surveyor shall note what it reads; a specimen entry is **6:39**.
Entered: **1:09**
